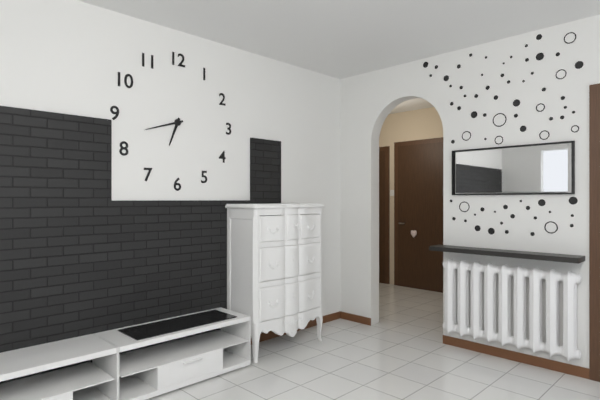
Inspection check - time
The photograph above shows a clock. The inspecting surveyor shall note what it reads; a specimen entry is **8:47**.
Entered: **6:42**
